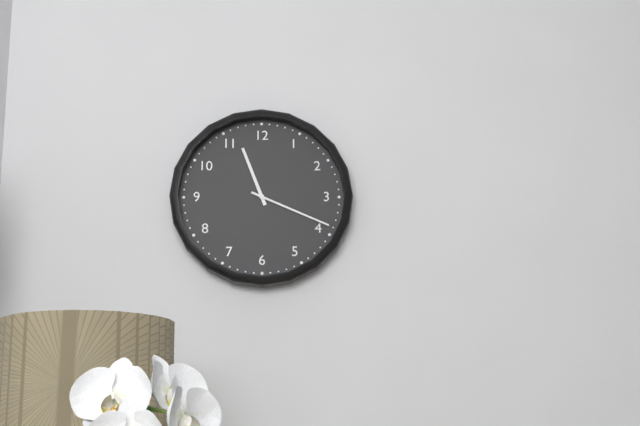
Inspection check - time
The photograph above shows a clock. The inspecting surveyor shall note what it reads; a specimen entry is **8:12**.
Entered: **11:19**
